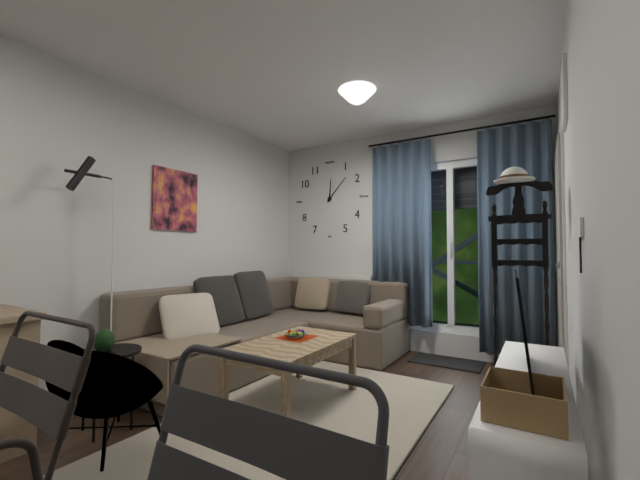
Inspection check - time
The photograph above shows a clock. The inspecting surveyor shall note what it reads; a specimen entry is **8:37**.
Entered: **12:07**
